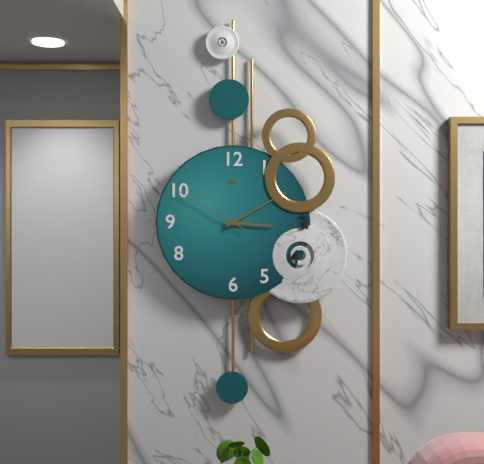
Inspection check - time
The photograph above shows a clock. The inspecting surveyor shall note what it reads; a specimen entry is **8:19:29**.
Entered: **3:10:50**
